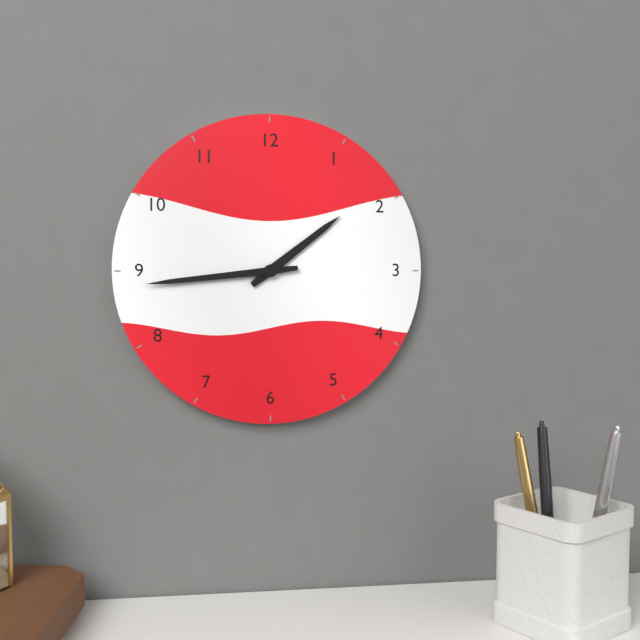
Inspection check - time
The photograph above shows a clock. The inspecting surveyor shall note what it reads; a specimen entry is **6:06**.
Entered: **1:44**
